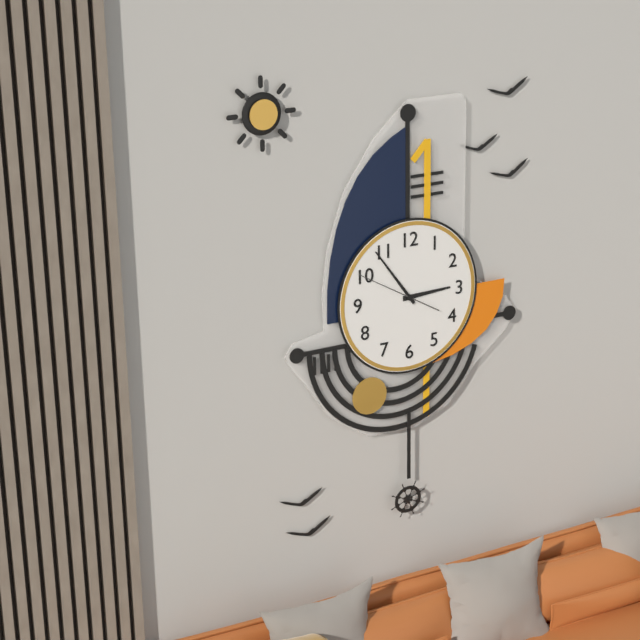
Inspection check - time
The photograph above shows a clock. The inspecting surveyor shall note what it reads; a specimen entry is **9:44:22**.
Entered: **2:54:50**
